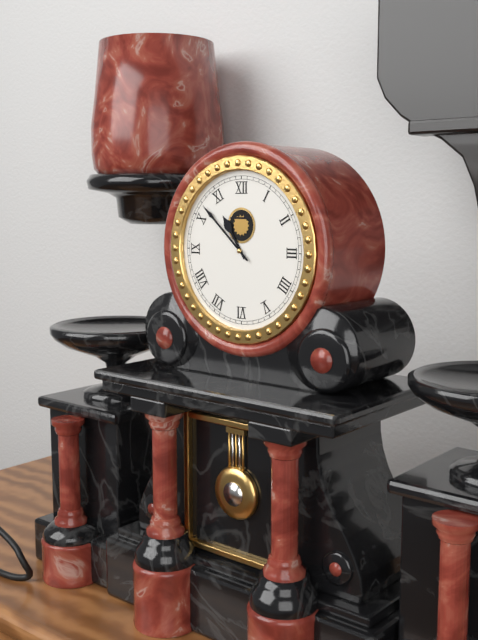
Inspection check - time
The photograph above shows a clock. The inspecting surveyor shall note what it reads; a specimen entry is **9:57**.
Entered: **10:52**
